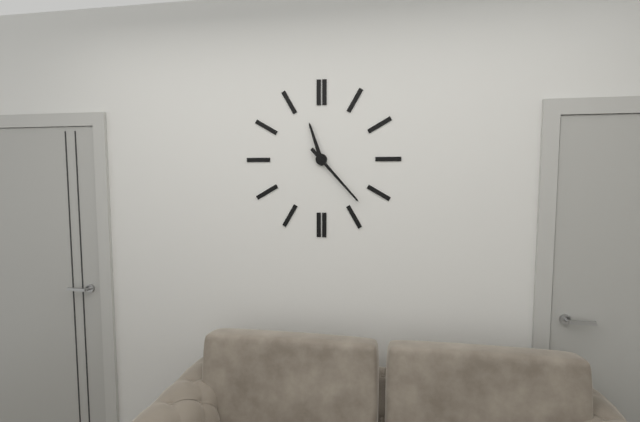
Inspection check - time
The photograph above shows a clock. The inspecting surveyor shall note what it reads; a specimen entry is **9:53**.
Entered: **11:23**
